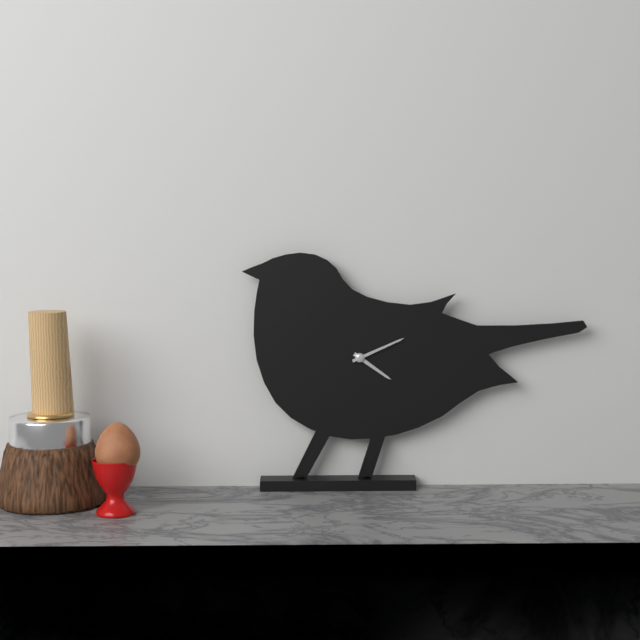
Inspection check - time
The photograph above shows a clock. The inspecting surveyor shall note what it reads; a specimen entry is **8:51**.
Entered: **4:11**
